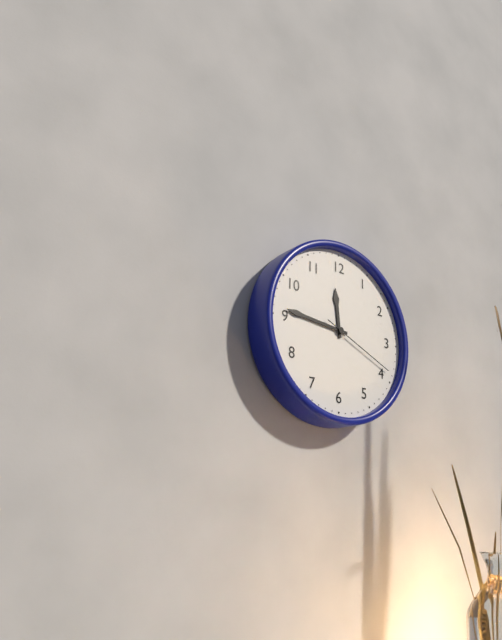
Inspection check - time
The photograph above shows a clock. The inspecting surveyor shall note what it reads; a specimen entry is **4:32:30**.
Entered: **11:46:19**
